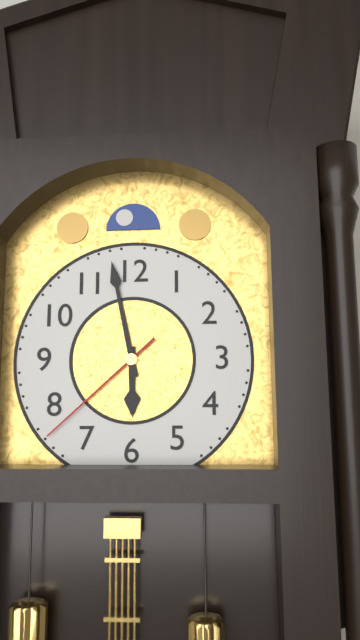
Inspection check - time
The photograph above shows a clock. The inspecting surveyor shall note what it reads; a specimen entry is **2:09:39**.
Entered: **5:58:38**
